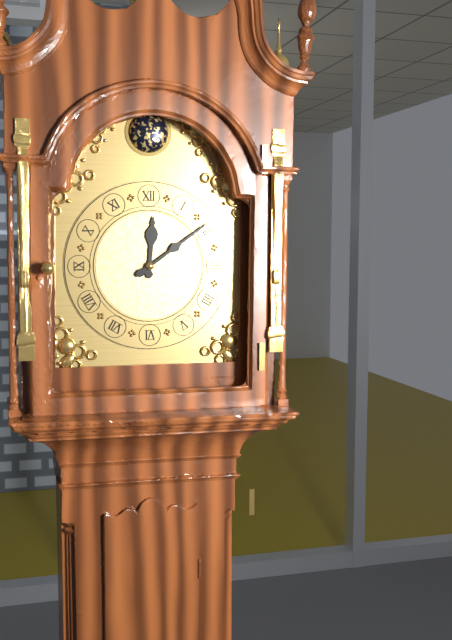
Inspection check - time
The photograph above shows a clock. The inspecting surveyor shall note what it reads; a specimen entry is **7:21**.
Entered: **12:09**
